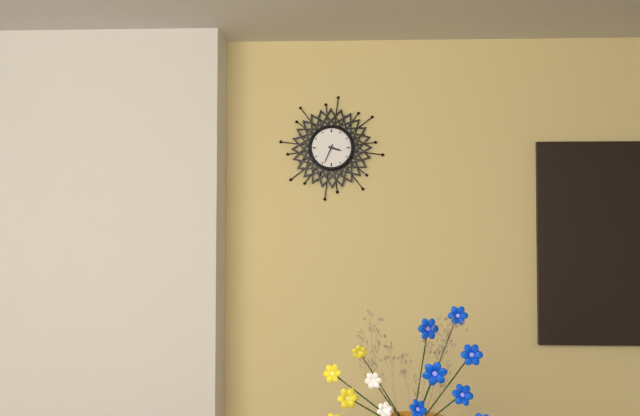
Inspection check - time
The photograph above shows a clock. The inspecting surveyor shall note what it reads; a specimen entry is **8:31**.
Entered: **3:34**
